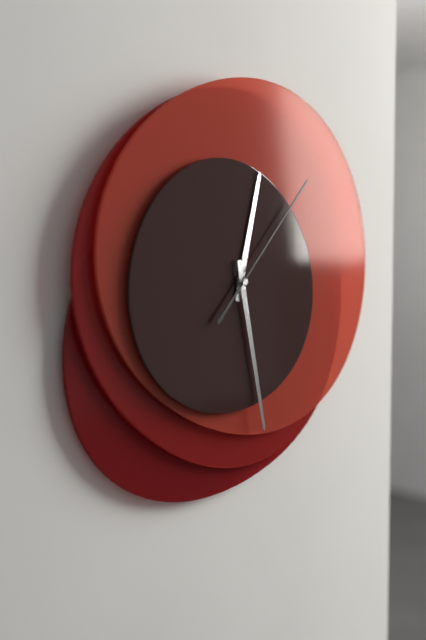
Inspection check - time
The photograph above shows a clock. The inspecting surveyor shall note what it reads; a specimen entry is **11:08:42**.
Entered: **12:28:07**
